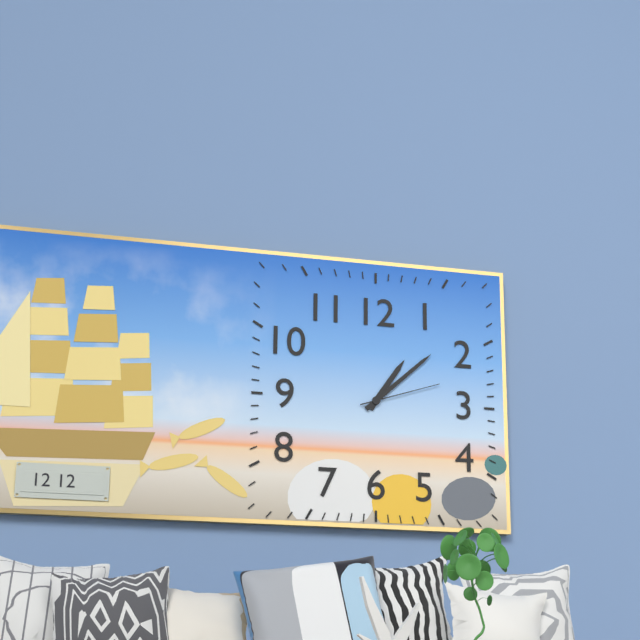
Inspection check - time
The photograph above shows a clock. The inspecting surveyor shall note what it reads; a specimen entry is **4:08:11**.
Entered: **1:08:12**
